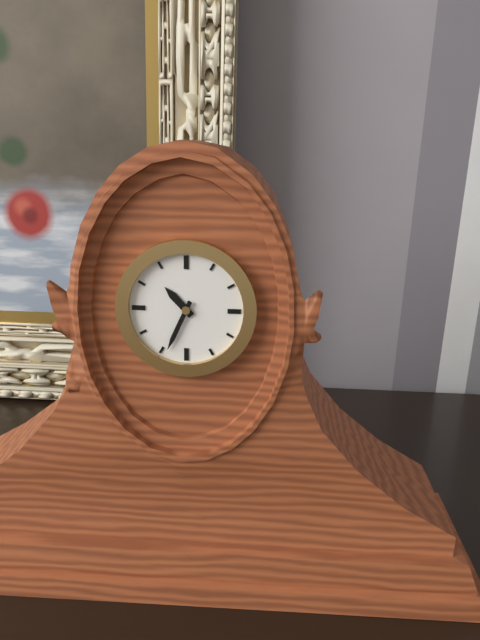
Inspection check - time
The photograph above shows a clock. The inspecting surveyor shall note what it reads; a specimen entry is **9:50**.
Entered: **10:34**
